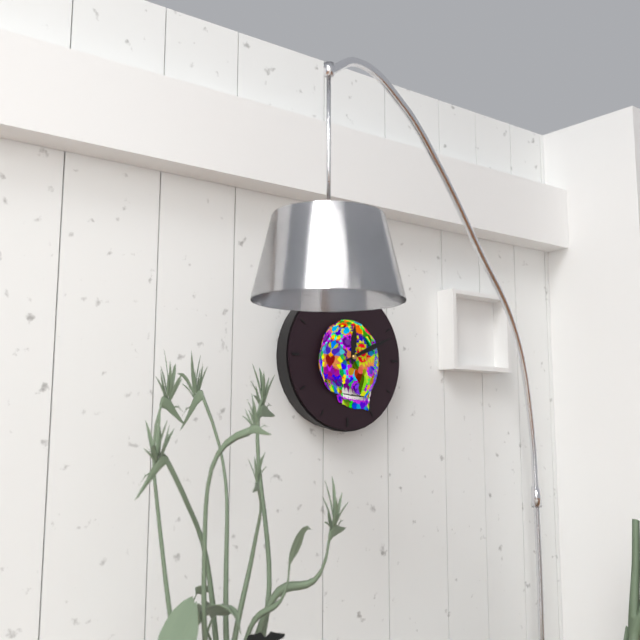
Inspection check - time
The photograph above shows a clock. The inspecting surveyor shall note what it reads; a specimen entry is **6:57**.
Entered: **12:11**
